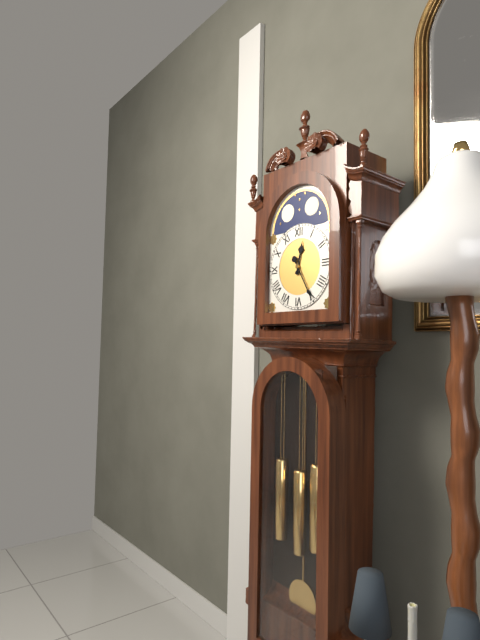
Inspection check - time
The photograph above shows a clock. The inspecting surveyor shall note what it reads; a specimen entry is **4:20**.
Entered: **12:25**
